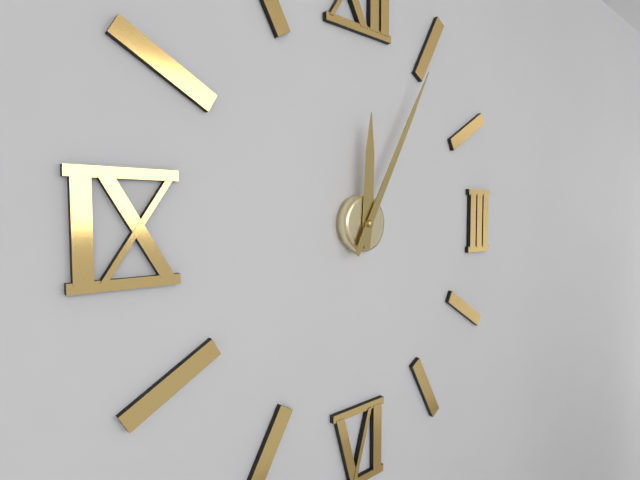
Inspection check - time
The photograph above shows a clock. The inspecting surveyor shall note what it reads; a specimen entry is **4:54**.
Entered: **12:05**
